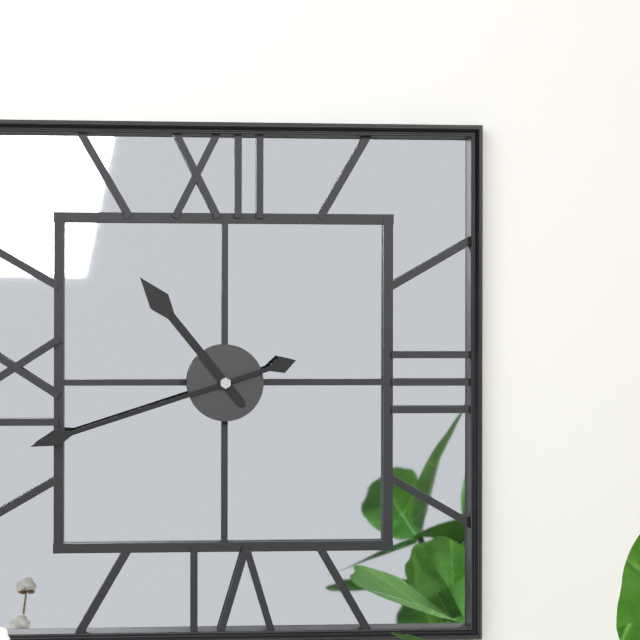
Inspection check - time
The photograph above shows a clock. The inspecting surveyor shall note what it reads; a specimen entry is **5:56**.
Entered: **10:42**
